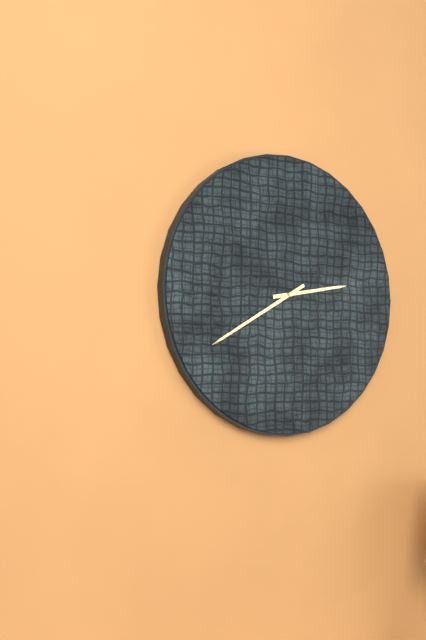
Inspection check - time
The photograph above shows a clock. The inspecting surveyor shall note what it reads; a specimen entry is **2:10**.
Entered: **2:40**
